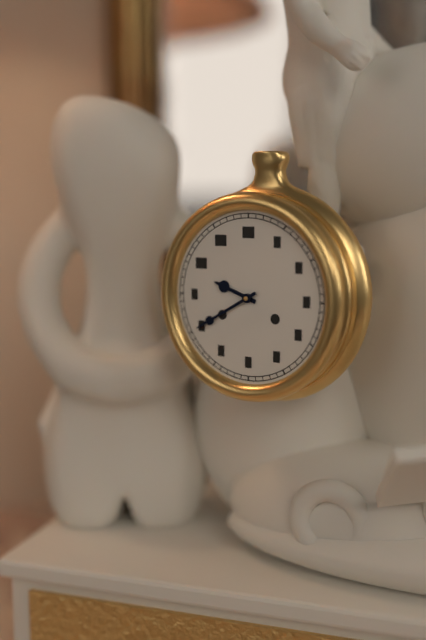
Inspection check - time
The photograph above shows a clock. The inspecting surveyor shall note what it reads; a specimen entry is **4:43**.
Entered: **9:40**
